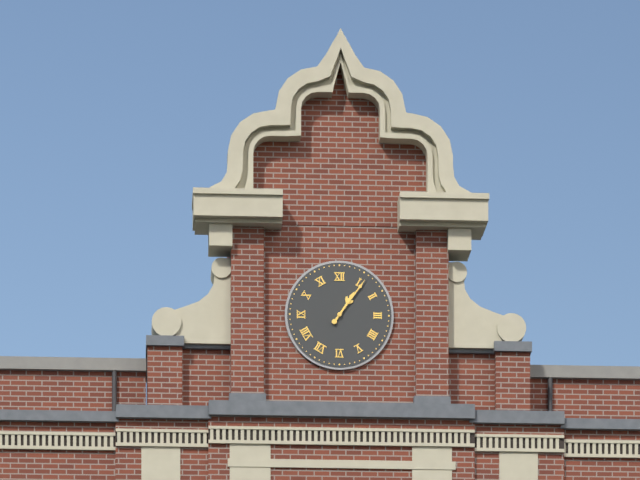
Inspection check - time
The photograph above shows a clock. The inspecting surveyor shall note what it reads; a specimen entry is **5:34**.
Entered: **1:06**
